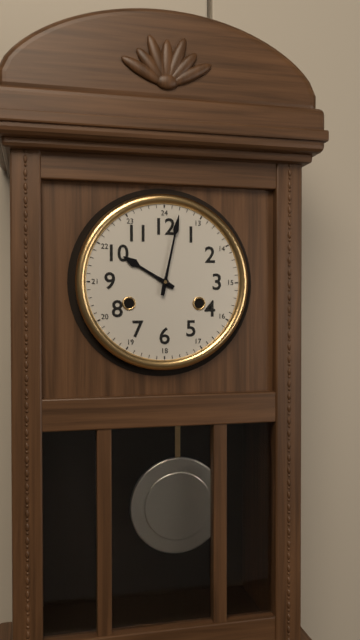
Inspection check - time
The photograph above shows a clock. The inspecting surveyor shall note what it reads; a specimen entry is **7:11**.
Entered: **10:02**
